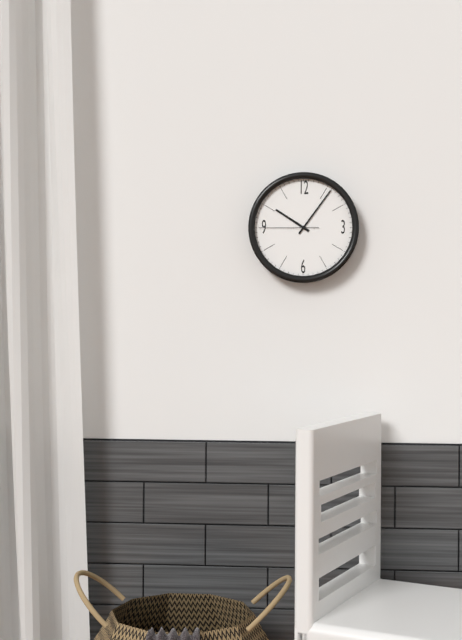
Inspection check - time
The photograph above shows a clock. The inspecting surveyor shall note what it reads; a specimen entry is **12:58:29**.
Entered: **10:06:45**
